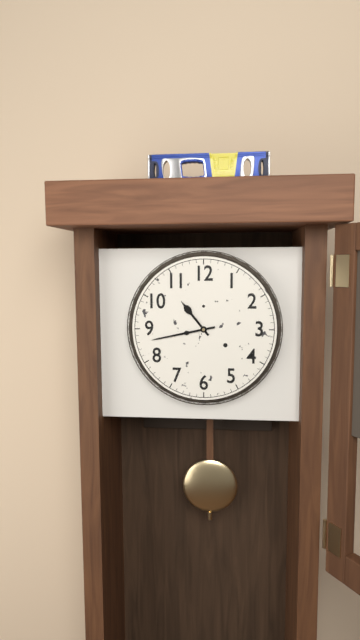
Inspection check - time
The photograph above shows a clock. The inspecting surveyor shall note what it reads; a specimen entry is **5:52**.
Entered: **10:43**
